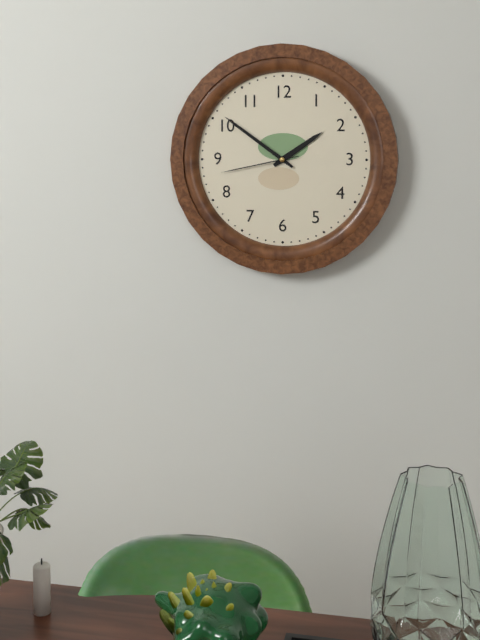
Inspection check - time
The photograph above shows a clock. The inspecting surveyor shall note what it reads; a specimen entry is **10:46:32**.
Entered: **1:51:43**
